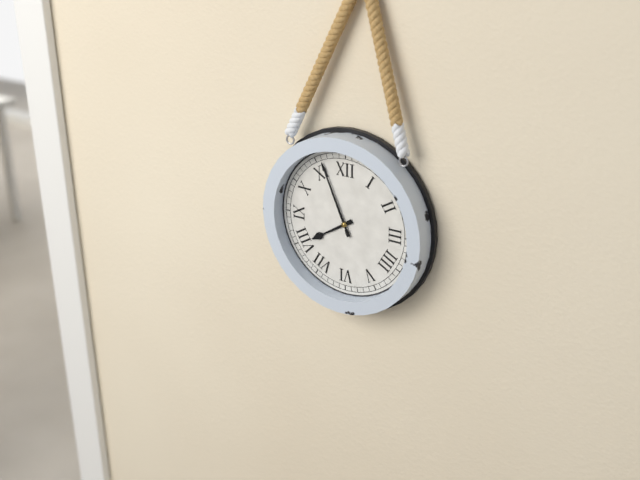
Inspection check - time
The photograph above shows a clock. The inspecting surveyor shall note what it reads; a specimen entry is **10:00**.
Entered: **7:56**
